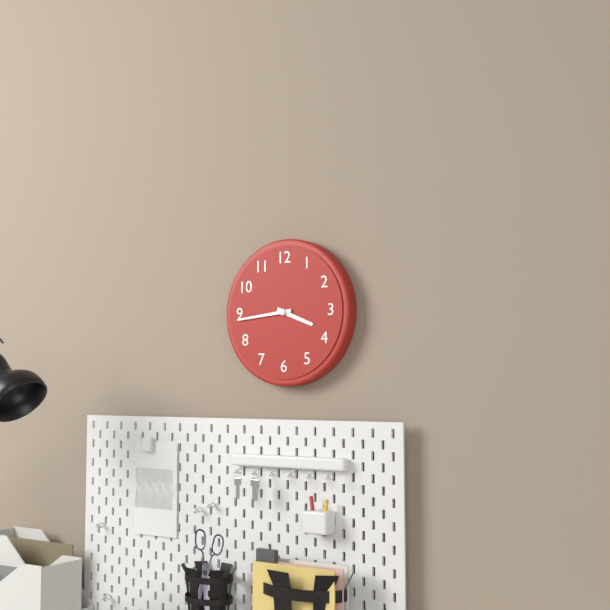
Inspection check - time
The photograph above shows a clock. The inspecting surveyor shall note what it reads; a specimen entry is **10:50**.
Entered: **3:44**
